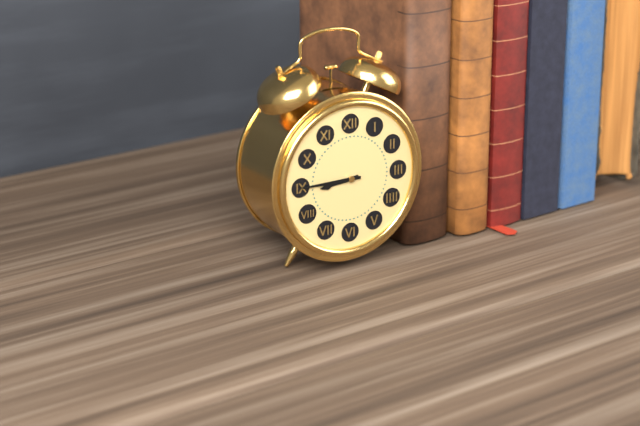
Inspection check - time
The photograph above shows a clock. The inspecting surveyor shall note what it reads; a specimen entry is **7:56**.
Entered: **8:45**
